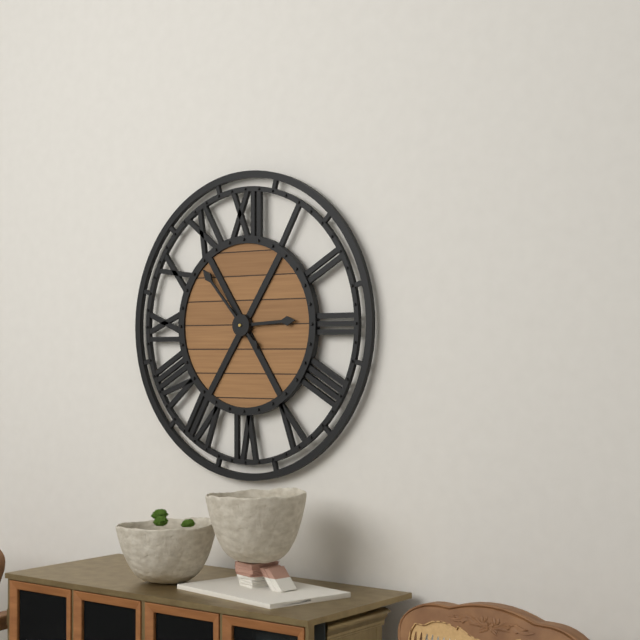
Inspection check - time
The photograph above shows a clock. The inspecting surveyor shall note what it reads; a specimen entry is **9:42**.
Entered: **2:53**
